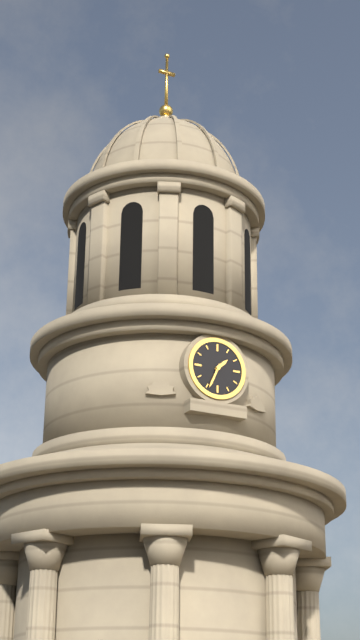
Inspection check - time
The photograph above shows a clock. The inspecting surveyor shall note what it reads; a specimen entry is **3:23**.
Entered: **1:34**
